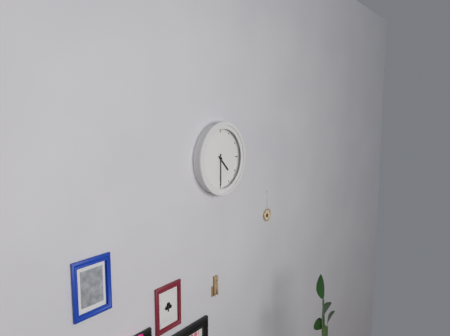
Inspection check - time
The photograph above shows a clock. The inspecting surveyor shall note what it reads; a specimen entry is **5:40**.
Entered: **4:30**
